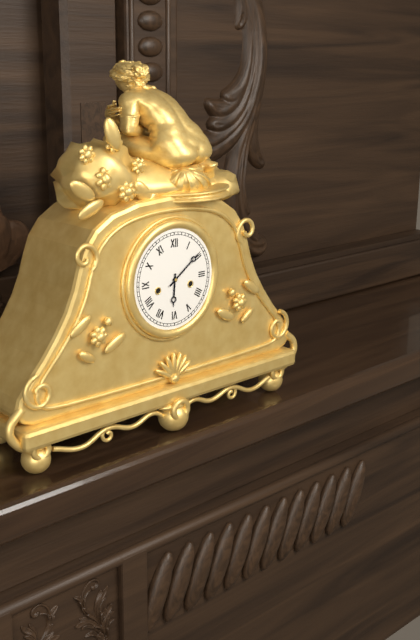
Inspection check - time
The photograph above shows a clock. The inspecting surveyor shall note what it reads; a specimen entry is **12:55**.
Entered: **6:09**
